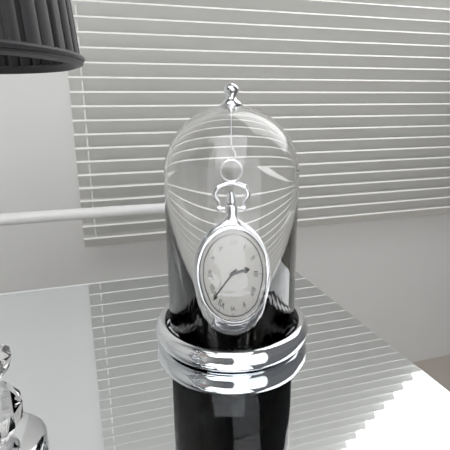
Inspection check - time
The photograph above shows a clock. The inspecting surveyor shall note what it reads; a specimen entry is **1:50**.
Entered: **2:38**
